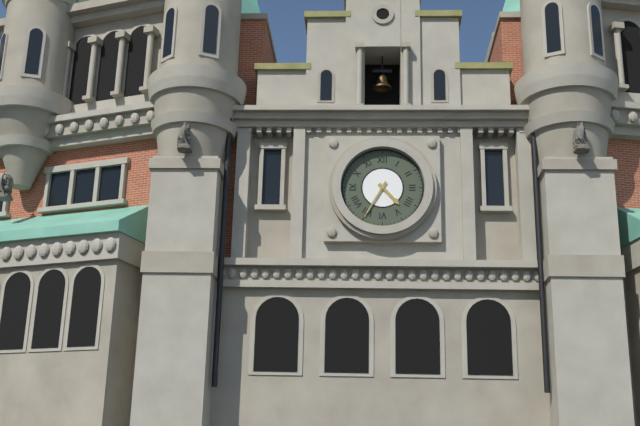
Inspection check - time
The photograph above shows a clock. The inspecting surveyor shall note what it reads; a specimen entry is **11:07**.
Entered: **4:35**
